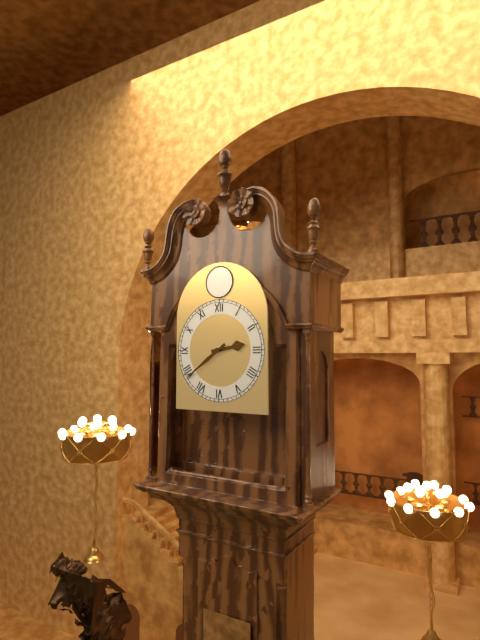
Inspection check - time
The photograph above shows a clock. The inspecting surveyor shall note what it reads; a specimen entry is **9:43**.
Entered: **2:39**
